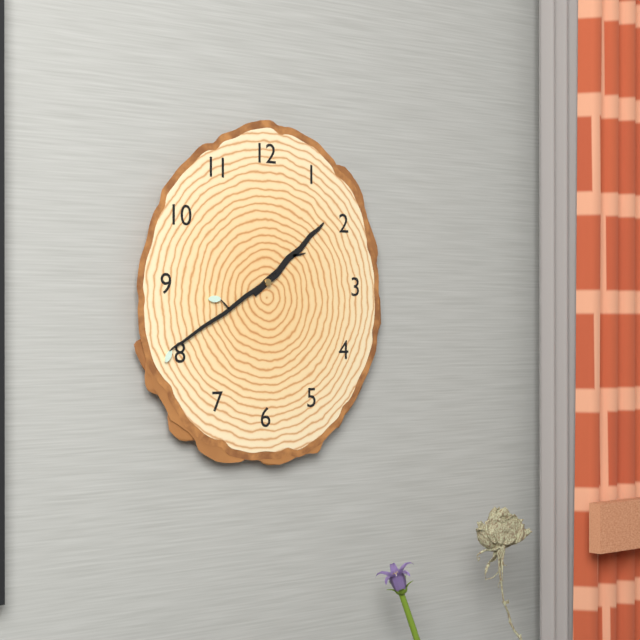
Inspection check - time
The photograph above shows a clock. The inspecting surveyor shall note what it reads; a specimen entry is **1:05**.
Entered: **1:40**
